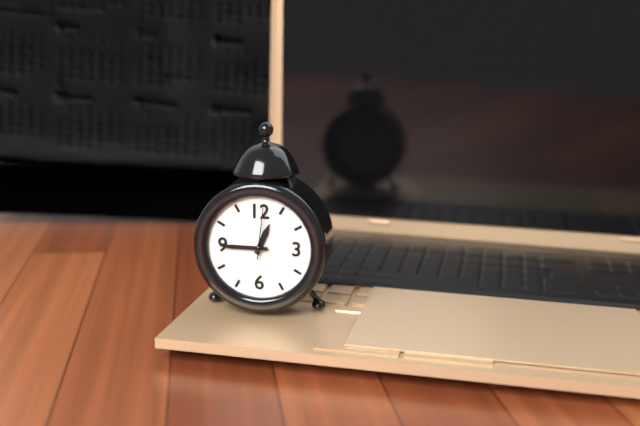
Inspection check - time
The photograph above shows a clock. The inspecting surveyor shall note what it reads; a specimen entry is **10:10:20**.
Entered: **12:45:01**
